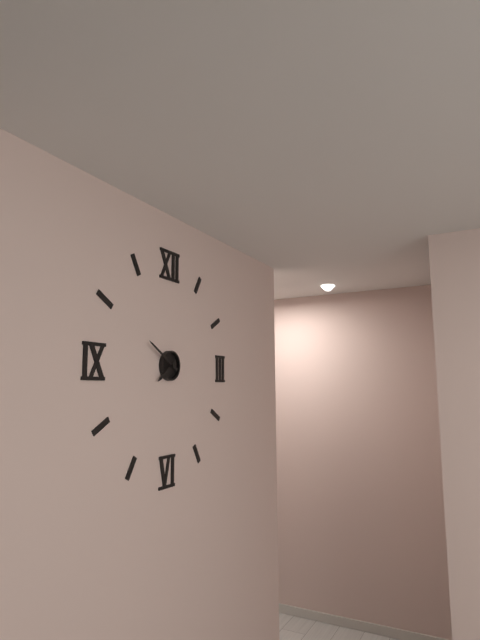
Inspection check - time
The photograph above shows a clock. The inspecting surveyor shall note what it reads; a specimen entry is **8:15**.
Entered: **7:50**
